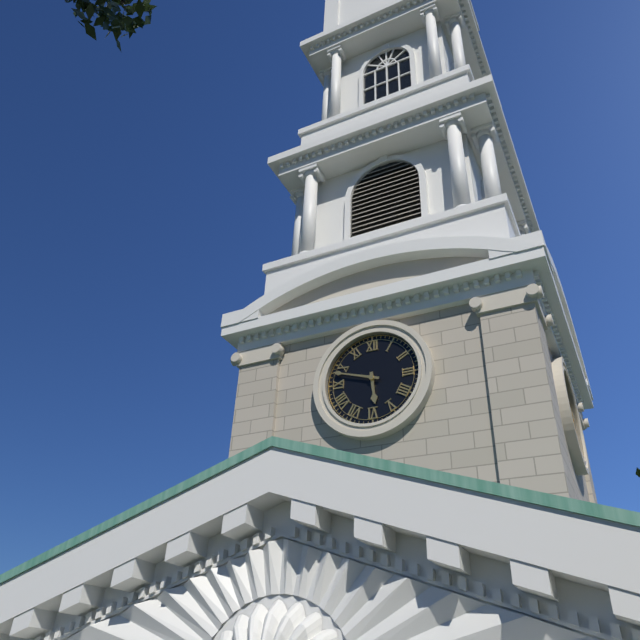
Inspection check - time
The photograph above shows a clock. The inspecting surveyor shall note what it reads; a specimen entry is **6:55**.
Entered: **5:48**
